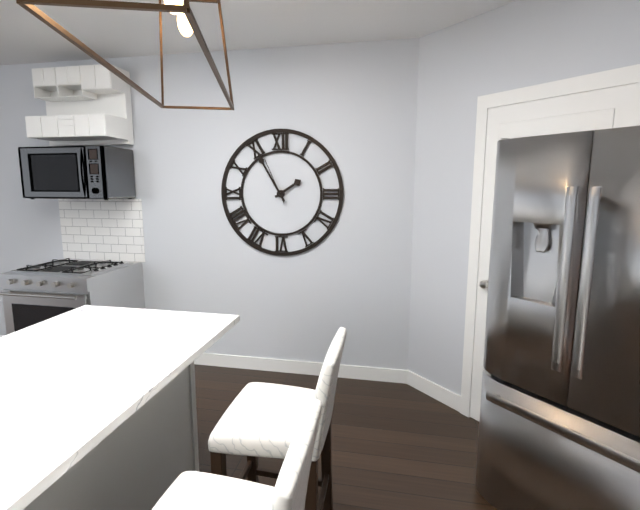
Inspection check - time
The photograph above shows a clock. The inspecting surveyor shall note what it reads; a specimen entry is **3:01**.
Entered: **1:55**
